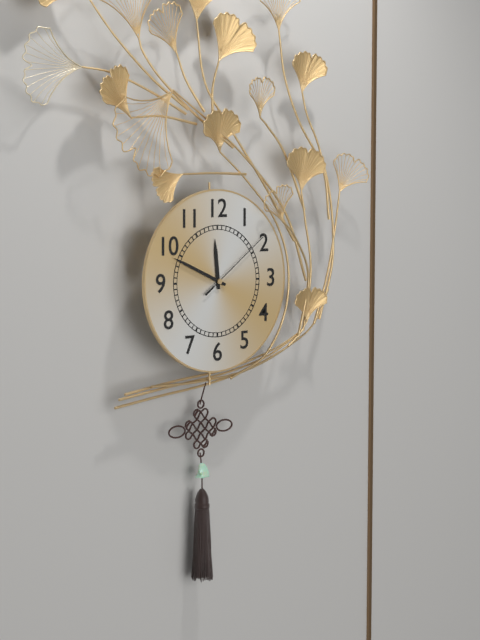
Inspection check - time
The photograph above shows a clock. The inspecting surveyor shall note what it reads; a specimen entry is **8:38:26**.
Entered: **11:49:09**
